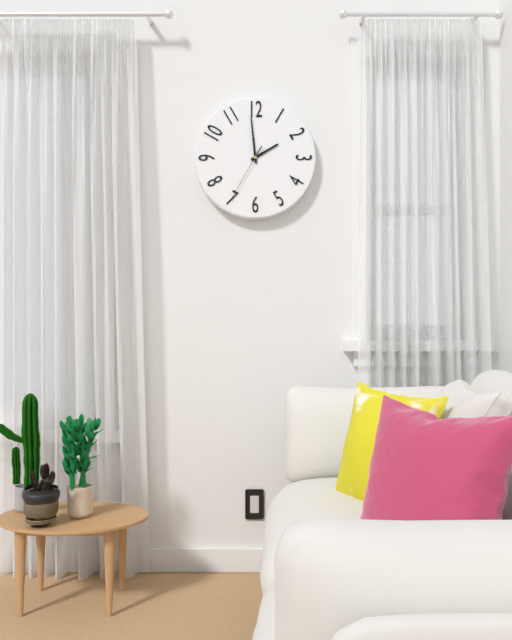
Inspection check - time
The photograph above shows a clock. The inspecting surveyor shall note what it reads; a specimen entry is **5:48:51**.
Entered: **1:59:35**
